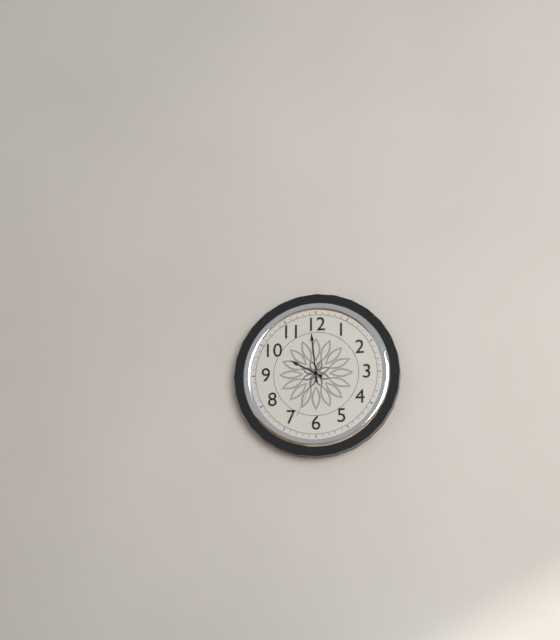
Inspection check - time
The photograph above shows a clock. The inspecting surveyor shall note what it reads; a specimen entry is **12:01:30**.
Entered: **9:59:34**
